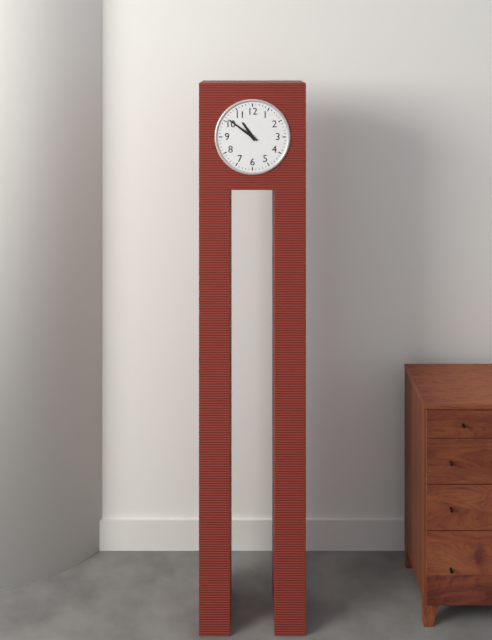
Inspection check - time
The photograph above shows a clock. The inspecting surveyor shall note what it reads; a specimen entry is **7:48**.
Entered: **10:51**
